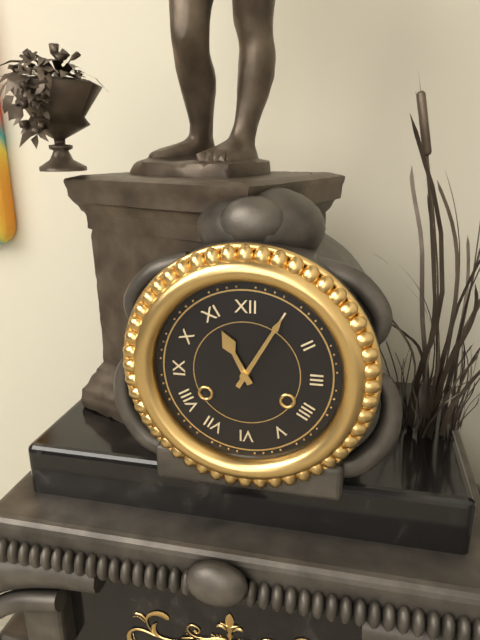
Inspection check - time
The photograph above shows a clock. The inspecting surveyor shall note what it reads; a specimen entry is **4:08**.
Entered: **11:05**
